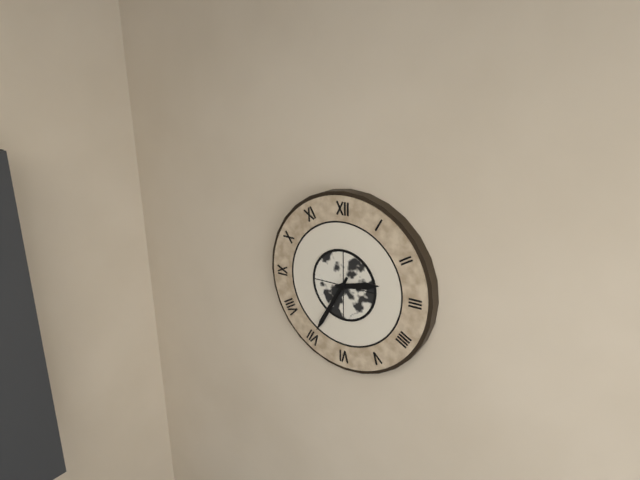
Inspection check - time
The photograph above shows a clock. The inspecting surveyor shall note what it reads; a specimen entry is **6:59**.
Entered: **2:35**
